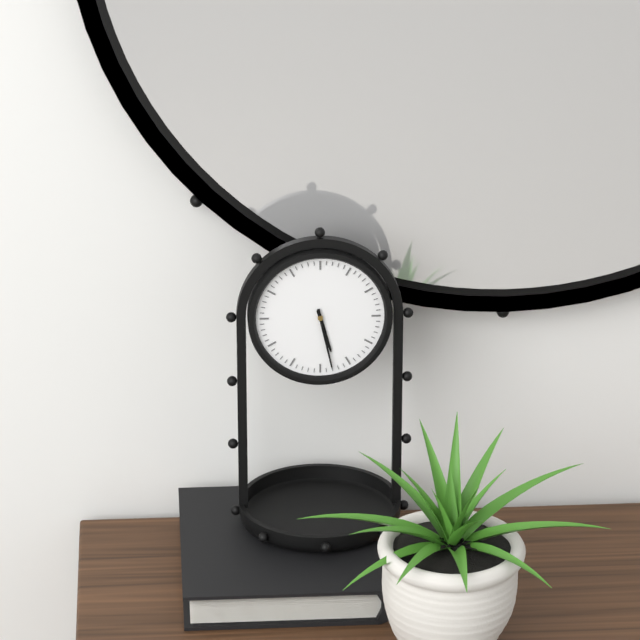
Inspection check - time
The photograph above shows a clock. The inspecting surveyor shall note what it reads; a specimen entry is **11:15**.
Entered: **5:28**
